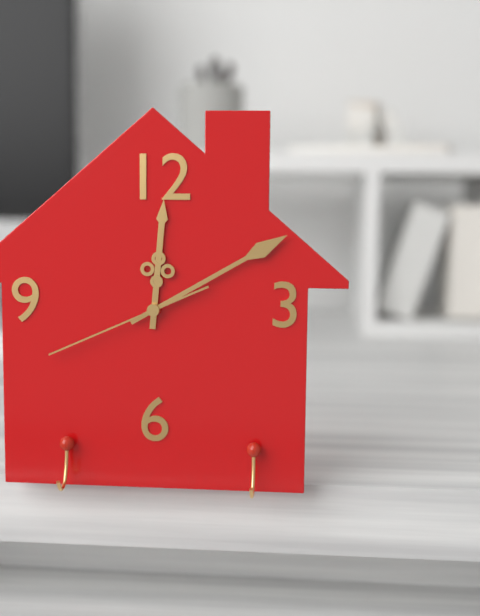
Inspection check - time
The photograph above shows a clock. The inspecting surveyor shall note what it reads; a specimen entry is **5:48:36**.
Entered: **12:10:41**
